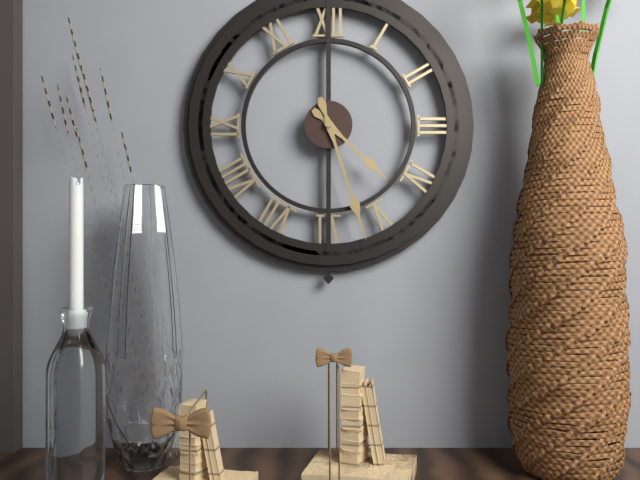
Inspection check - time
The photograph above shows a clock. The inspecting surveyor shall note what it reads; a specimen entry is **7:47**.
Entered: **4:27**
